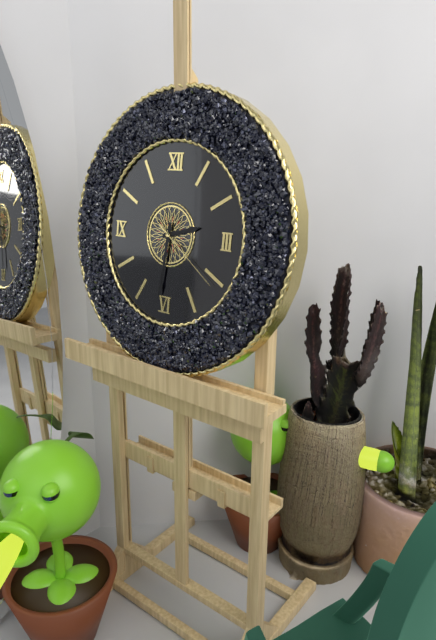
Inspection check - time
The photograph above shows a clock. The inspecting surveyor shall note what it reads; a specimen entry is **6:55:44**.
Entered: **2:31:21**
